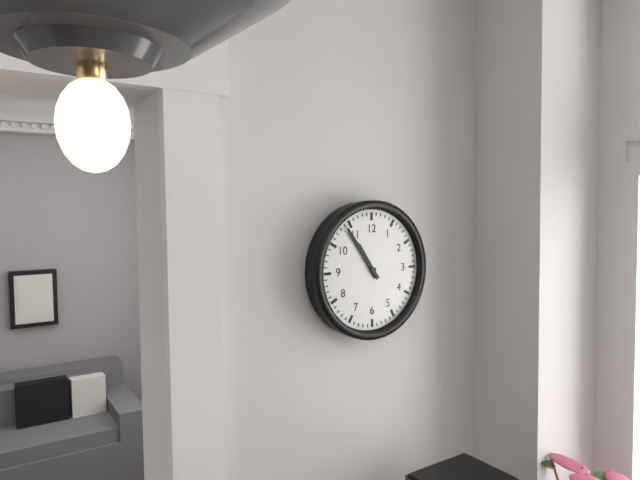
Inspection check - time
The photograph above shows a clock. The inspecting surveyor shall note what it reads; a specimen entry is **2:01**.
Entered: **10:54**
